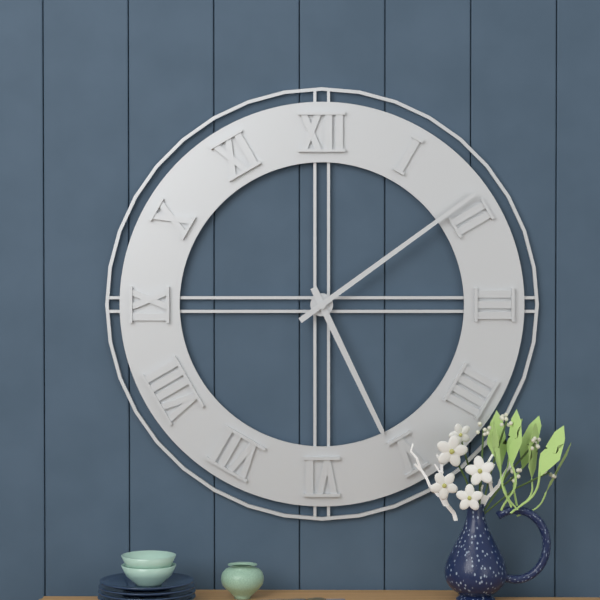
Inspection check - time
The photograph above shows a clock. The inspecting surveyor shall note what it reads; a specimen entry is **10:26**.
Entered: **5:09**
